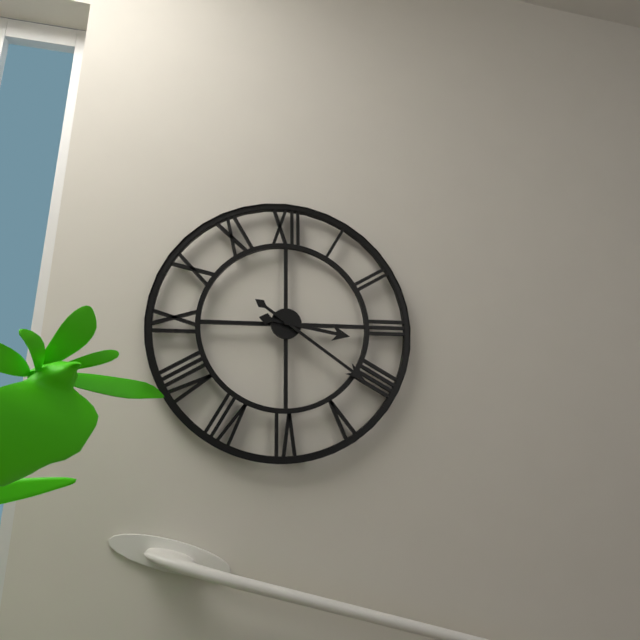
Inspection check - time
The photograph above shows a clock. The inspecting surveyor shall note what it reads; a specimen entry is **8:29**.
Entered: **3:21**
